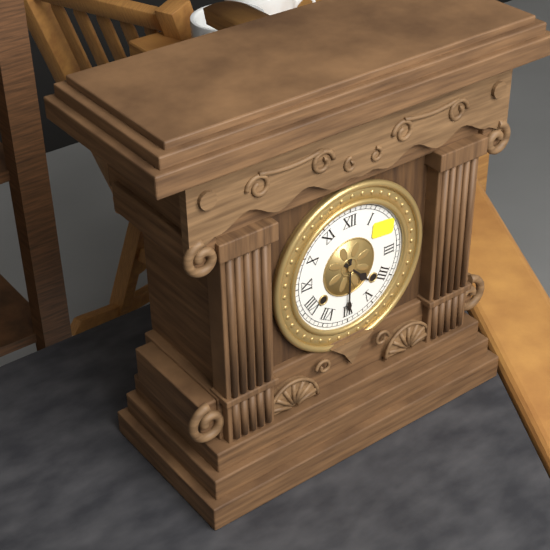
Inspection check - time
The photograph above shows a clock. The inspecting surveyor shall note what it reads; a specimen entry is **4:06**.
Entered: **4:30**
